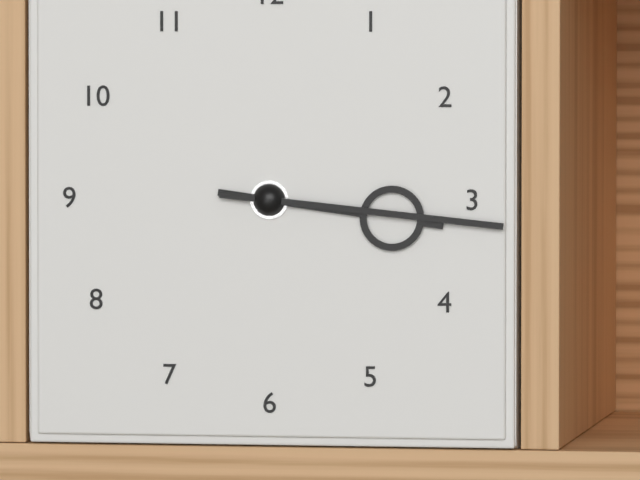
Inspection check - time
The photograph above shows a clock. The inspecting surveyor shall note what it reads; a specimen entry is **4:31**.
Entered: **3:16**
